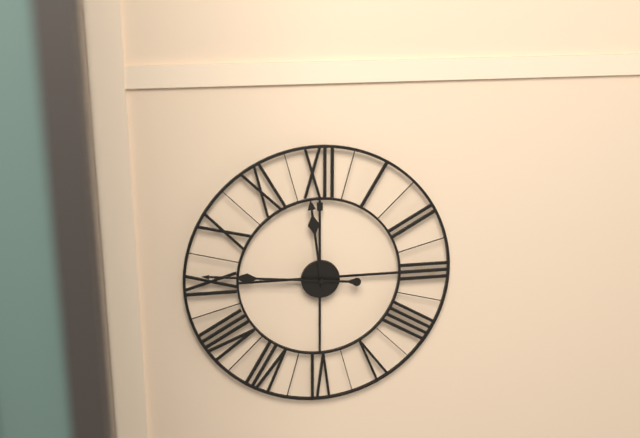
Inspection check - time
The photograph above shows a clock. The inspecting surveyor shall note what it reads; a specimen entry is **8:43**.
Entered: **11:46**
